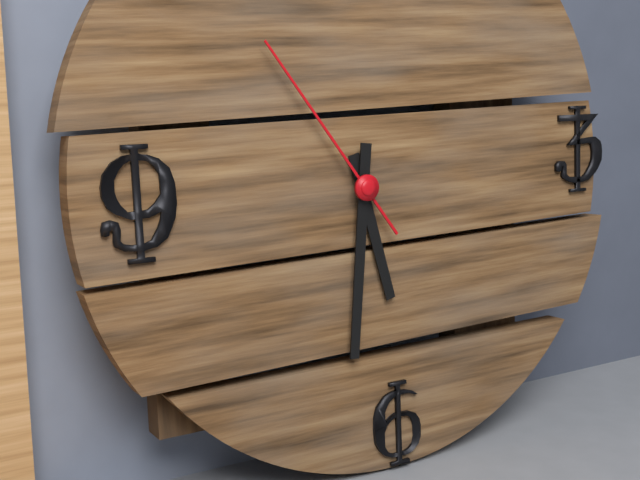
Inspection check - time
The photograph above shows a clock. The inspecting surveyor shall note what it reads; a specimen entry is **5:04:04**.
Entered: **5:31:54**
